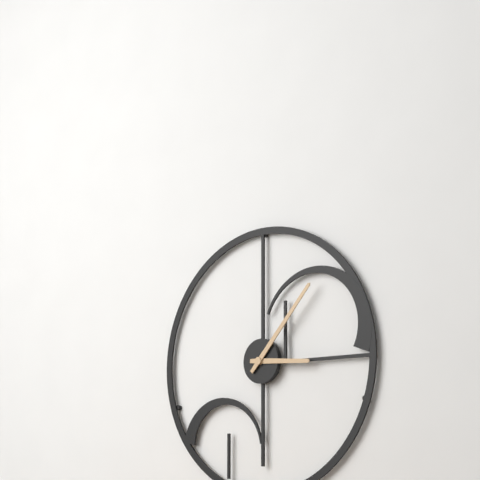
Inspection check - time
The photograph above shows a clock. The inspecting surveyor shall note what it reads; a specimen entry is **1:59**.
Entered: **3:07**
